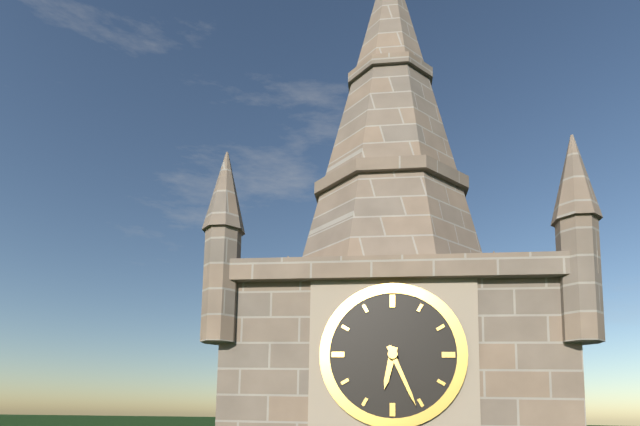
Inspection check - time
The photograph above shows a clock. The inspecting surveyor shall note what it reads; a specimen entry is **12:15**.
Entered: **6:26**
